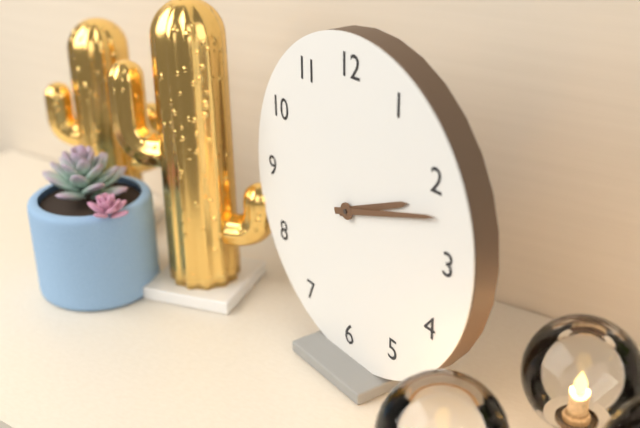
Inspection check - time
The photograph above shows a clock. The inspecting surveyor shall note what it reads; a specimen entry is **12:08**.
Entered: **2:12**
